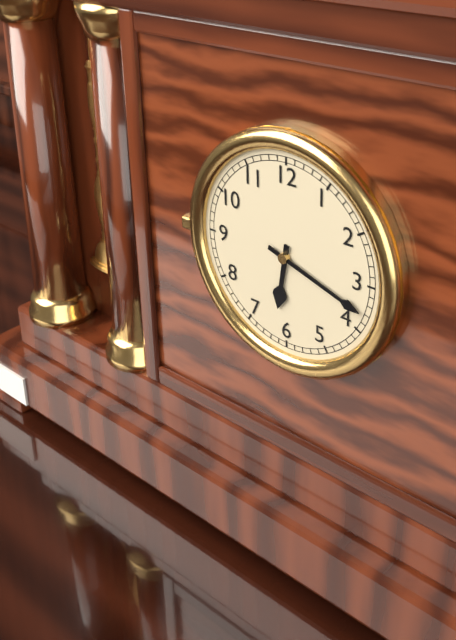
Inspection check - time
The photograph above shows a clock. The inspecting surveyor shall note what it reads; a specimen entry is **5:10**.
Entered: **6:18**
